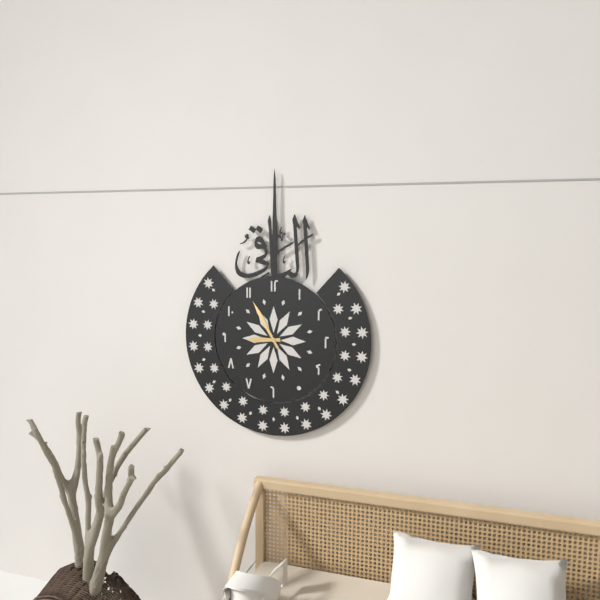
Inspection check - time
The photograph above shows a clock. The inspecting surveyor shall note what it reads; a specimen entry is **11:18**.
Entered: **8:55**
